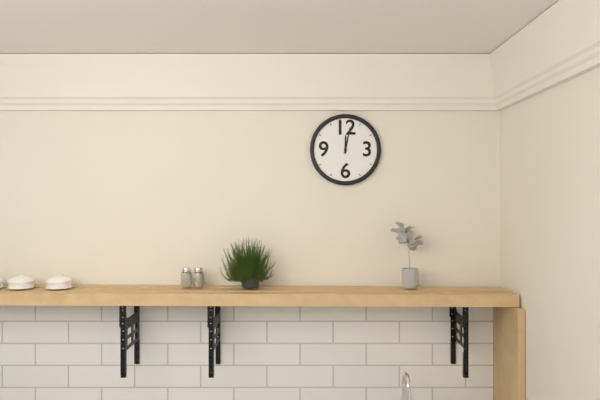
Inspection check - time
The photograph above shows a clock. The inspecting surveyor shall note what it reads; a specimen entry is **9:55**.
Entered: **12:02**
